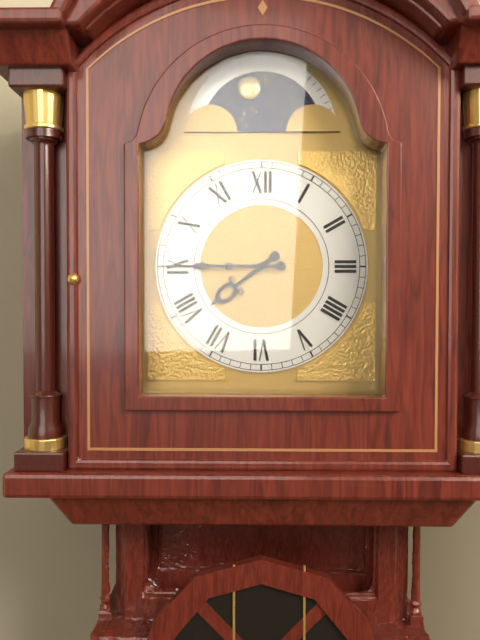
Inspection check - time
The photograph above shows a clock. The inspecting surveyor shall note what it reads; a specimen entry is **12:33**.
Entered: **7:45**
